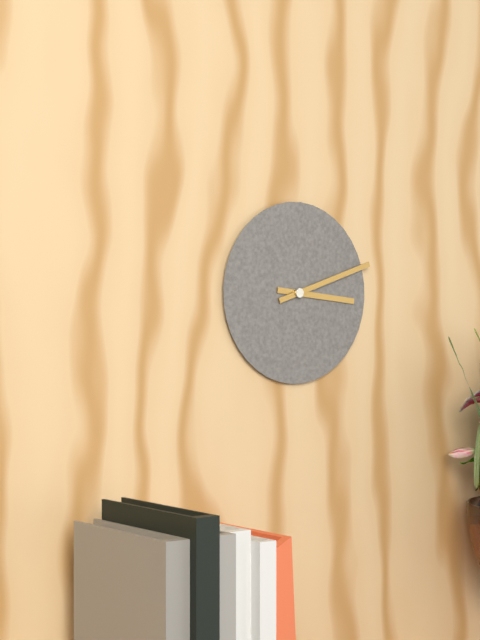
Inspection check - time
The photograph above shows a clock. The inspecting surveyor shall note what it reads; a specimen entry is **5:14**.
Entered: **3:12**
